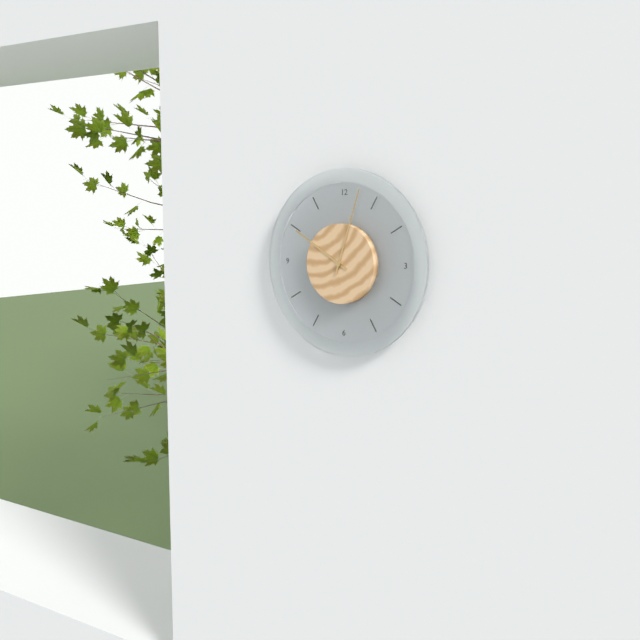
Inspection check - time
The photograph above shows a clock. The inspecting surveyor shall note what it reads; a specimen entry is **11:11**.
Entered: **10:03**
